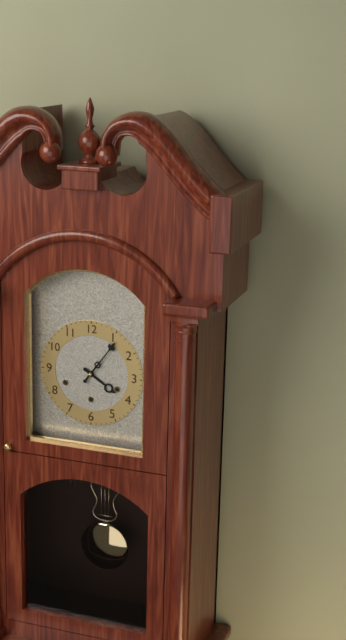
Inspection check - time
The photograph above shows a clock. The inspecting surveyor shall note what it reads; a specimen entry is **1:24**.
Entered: **4:06**
